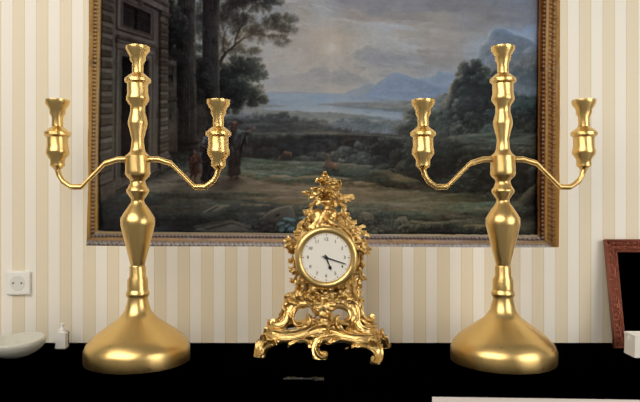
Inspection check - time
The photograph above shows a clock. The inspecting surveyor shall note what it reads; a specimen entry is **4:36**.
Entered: **5:18**
